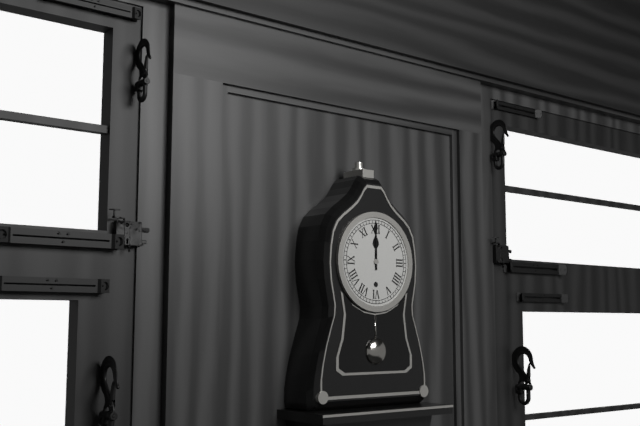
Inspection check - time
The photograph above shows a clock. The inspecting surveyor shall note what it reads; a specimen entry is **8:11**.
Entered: **12:00**
